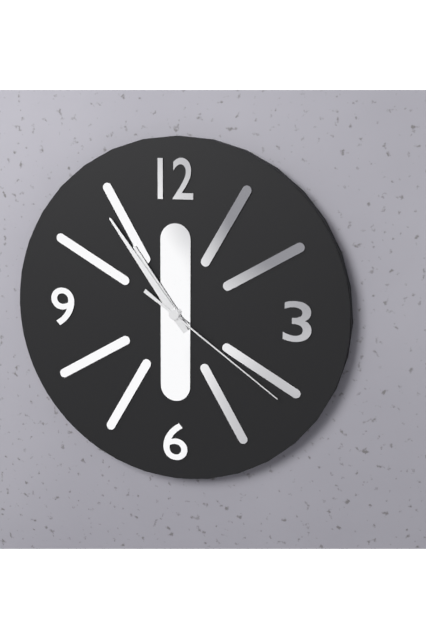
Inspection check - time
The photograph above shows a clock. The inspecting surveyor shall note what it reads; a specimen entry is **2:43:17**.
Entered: **10:54:21**
